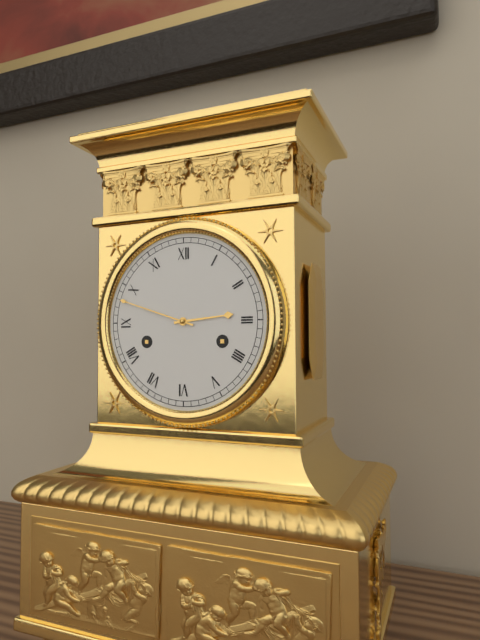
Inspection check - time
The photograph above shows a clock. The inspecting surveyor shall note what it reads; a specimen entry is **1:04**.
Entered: **2:48**
